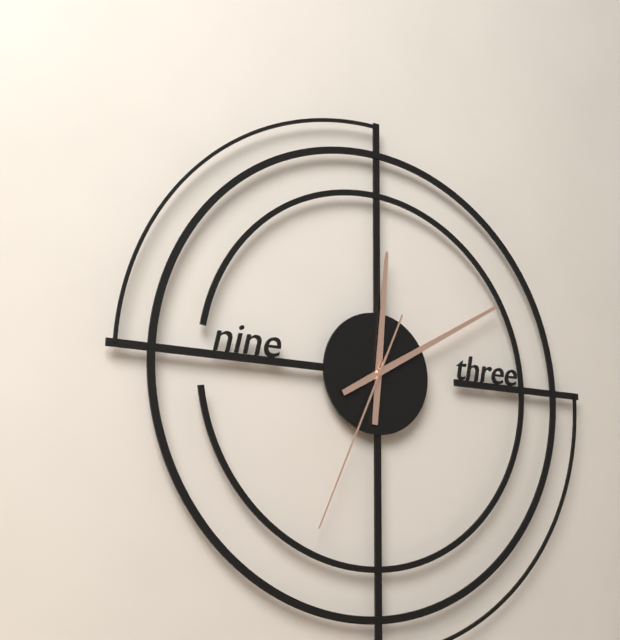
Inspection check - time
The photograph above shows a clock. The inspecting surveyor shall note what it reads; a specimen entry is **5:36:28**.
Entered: **12:10:34**
